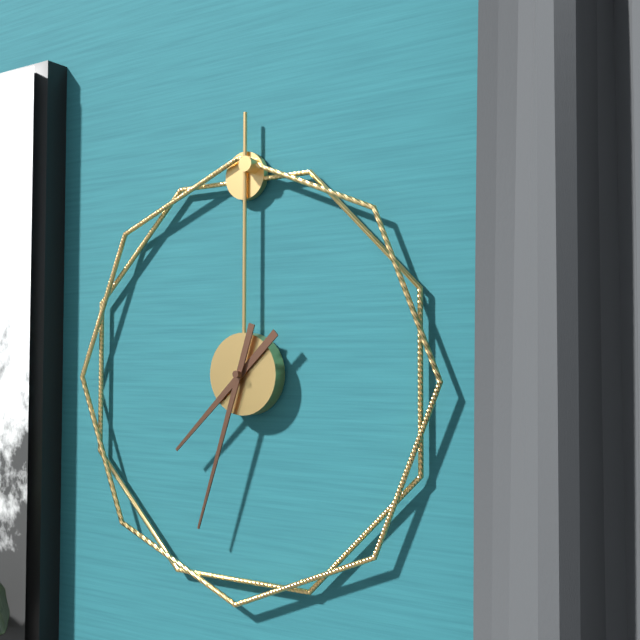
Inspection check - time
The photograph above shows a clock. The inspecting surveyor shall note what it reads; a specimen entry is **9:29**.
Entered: **7:33**
